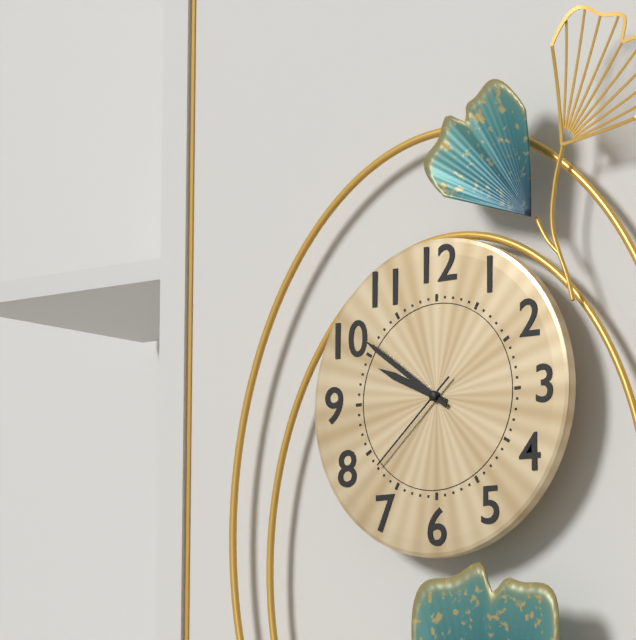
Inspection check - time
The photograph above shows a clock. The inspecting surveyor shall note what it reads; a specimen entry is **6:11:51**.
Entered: **9:51:38**
